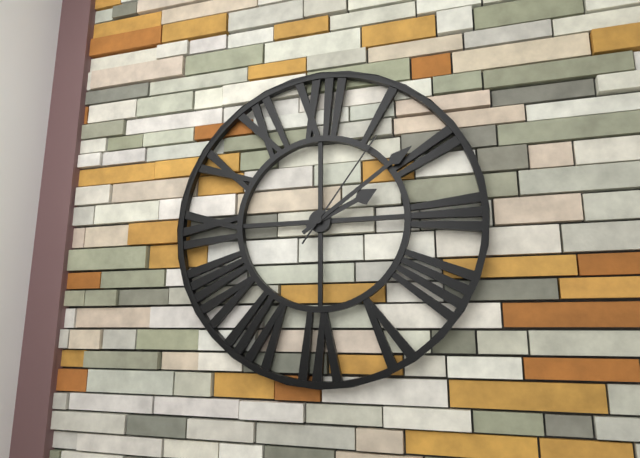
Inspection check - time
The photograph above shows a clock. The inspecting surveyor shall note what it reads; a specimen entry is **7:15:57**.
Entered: **2:09:06**
